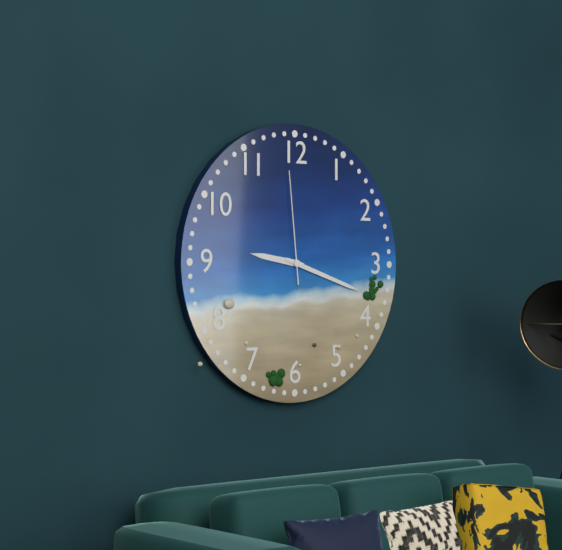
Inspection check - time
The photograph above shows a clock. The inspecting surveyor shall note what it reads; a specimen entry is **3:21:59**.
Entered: **9:18:59**
